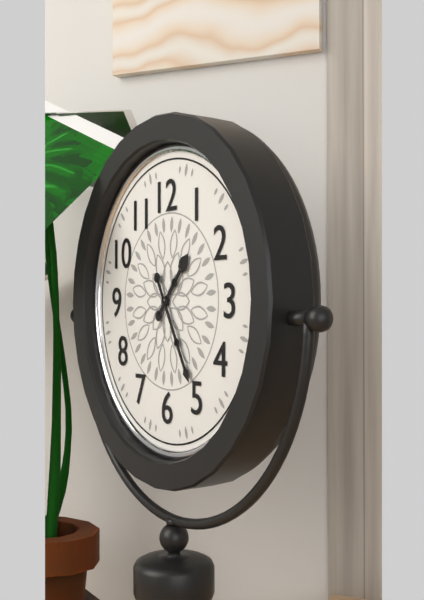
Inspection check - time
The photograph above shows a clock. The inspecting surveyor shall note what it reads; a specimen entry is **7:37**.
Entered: **1:25**
